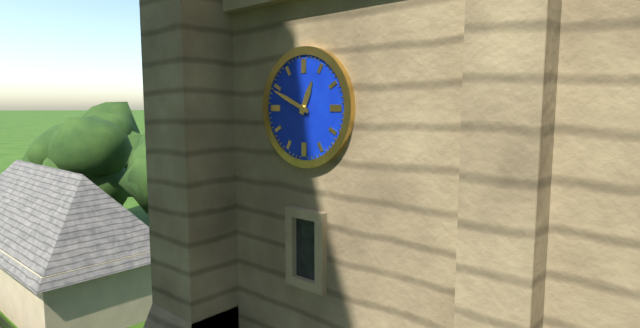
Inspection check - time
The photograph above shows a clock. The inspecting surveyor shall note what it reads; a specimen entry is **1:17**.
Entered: **12:49**
